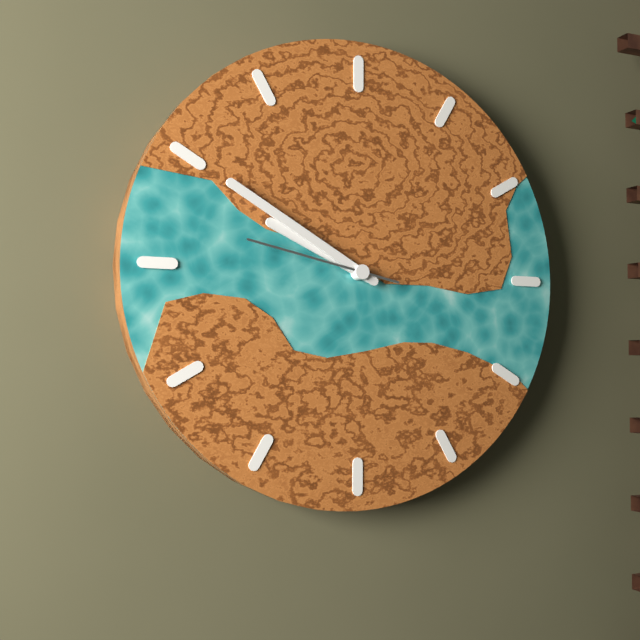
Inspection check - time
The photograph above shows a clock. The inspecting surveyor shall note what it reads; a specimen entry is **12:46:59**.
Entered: **9:50:47**
